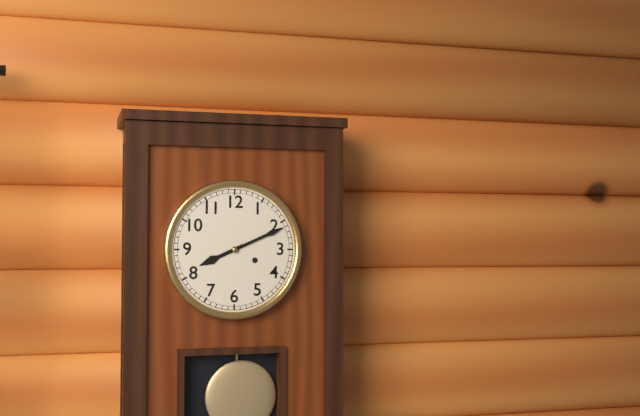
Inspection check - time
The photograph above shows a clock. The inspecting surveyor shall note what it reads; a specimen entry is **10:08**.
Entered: **8:11**
